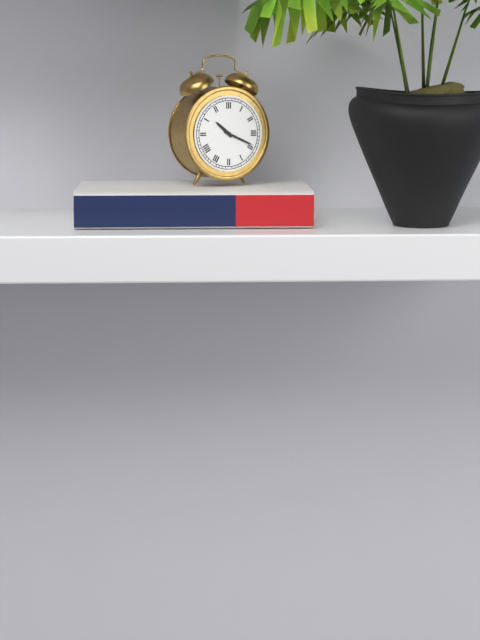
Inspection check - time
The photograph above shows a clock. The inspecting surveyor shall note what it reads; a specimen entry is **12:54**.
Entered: **10:19**
